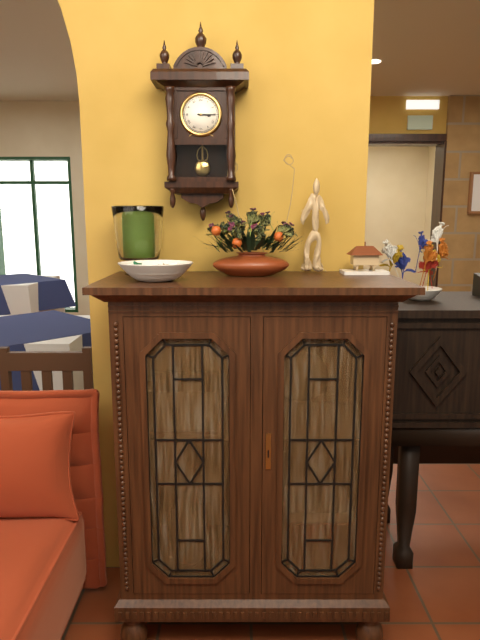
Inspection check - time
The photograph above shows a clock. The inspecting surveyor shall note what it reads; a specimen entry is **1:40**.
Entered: **3:15**
